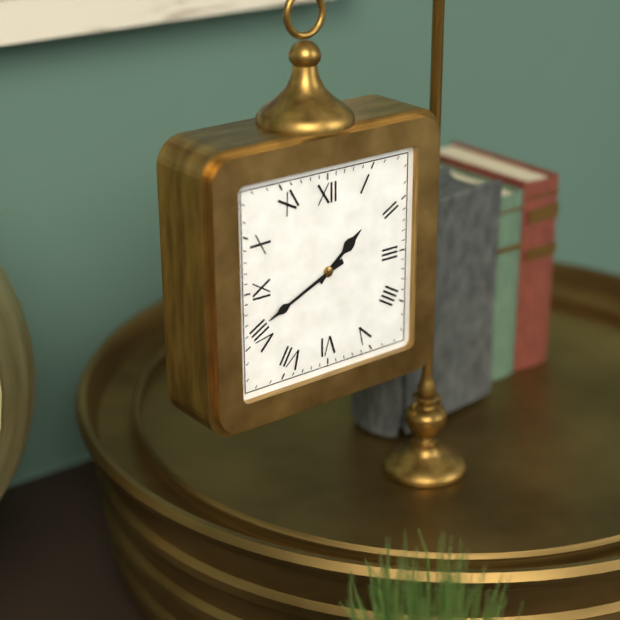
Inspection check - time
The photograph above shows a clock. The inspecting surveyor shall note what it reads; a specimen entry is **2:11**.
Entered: **1:41**
